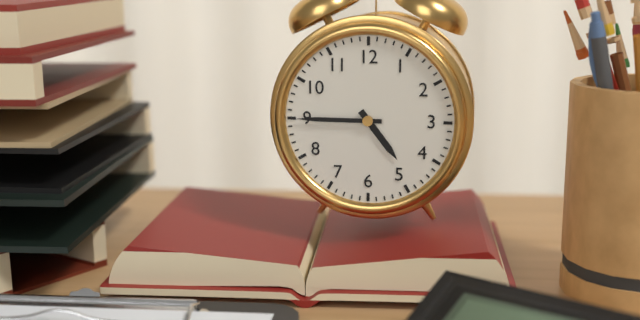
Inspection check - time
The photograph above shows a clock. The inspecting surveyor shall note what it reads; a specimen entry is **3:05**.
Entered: **4:45**
